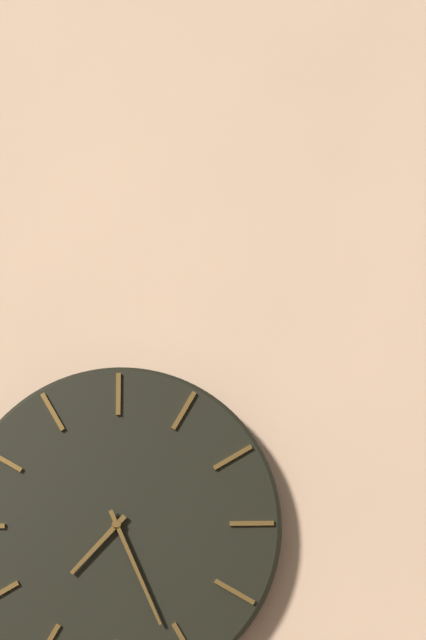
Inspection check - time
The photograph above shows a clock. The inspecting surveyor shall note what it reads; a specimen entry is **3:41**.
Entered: **7:26**
